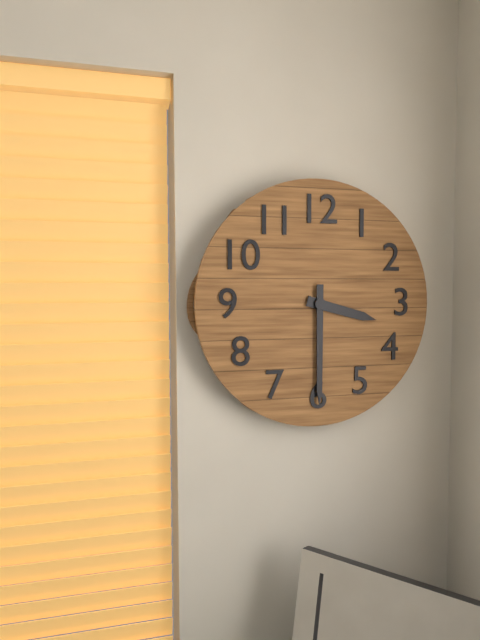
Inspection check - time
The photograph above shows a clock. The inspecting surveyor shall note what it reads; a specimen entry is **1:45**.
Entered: **3:30**
